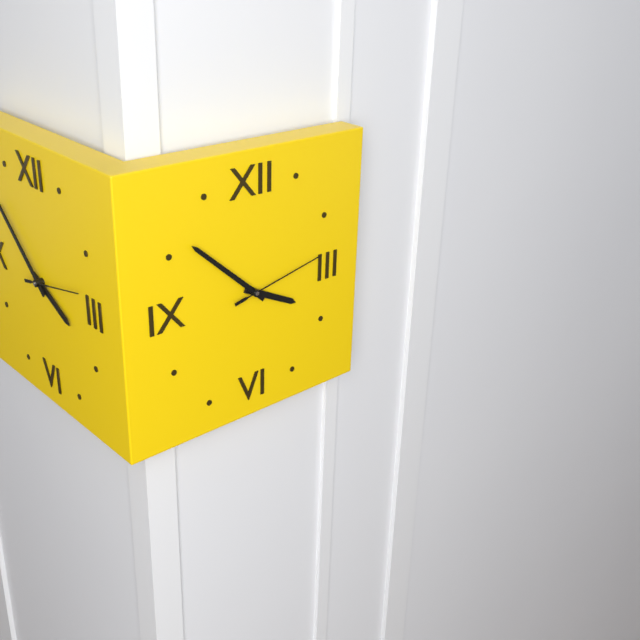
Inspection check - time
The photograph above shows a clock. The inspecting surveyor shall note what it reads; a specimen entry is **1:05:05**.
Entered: **3:52:13**
